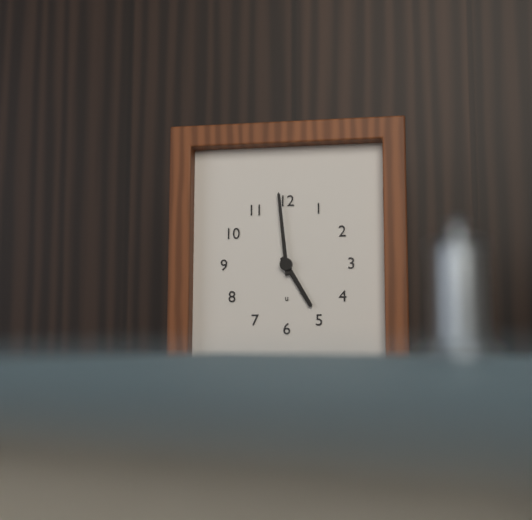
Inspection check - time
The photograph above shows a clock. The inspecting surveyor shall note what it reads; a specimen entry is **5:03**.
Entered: **4:59**
